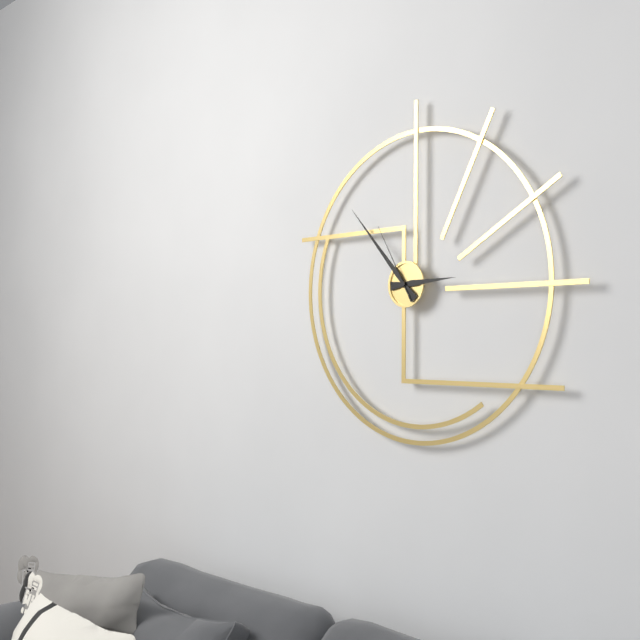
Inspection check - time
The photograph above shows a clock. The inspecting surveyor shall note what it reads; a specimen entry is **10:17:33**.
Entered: **2:53:55**
